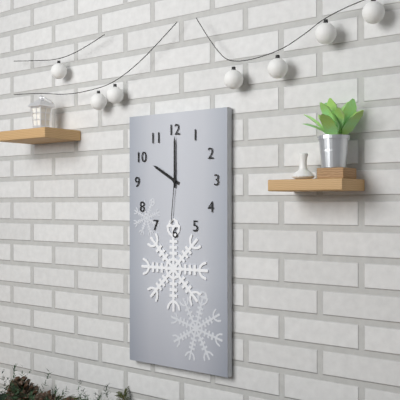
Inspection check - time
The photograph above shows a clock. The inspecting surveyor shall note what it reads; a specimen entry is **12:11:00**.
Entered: **10:00:31**
